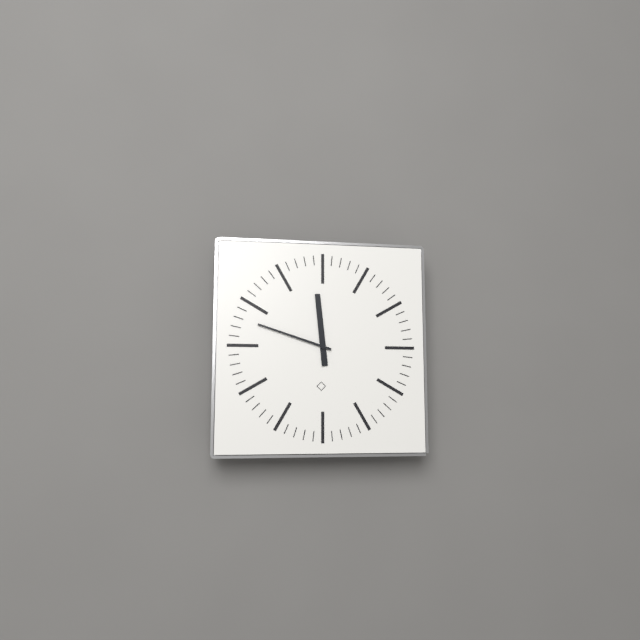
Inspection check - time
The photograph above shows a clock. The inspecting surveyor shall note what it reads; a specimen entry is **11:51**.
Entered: **11:48**
